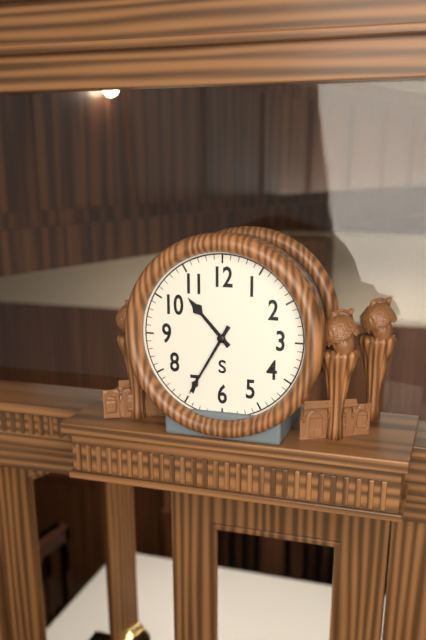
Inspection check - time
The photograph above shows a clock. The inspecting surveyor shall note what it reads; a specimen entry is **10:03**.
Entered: **10:35**
